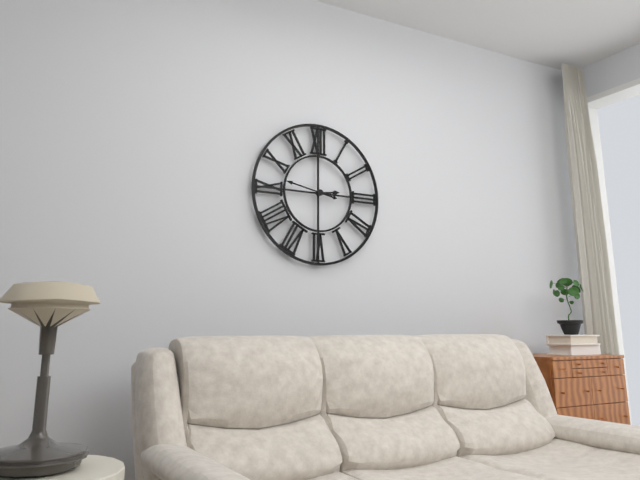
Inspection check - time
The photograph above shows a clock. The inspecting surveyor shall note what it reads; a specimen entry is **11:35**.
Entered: **2:47**
